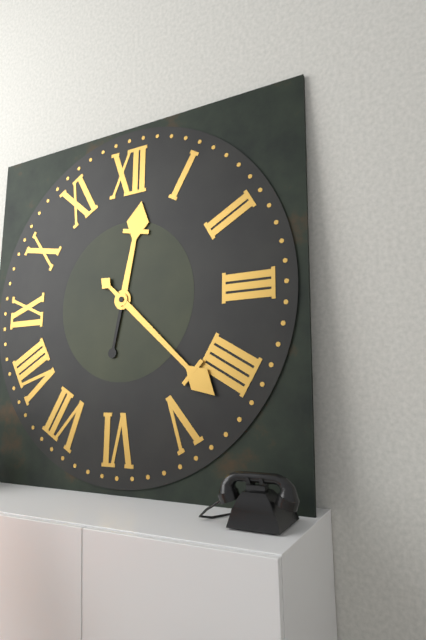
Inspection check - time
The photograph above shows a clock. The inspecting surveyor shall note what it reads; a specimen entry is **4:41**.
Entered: **12:22**
